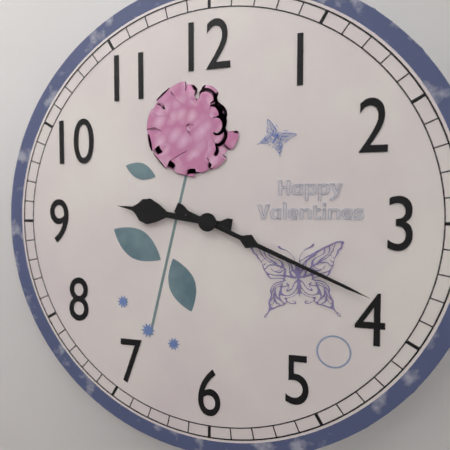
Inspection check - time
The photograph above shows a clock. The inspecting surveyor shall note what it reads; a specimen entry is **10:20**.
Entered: **9:19**
